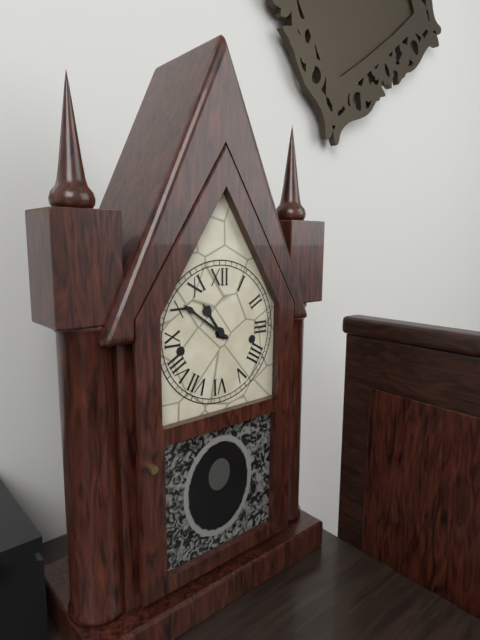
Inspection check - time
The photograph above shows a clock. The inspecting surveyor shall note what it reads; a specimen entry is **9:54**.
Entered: **10:51**
